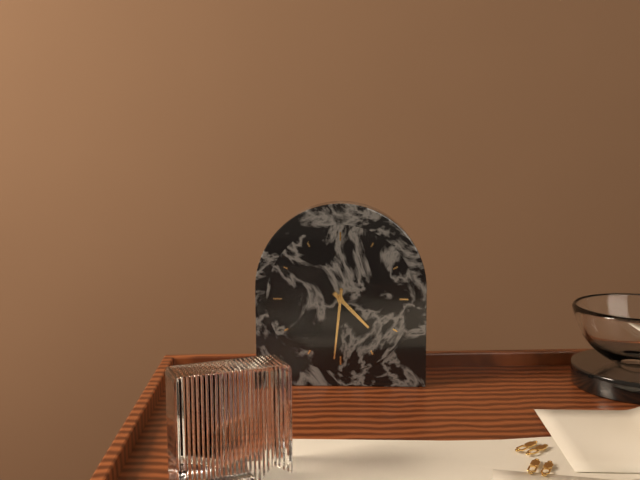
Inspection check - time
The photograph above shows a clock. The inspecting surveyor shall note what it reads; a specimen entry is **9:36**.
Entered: **4:31**
